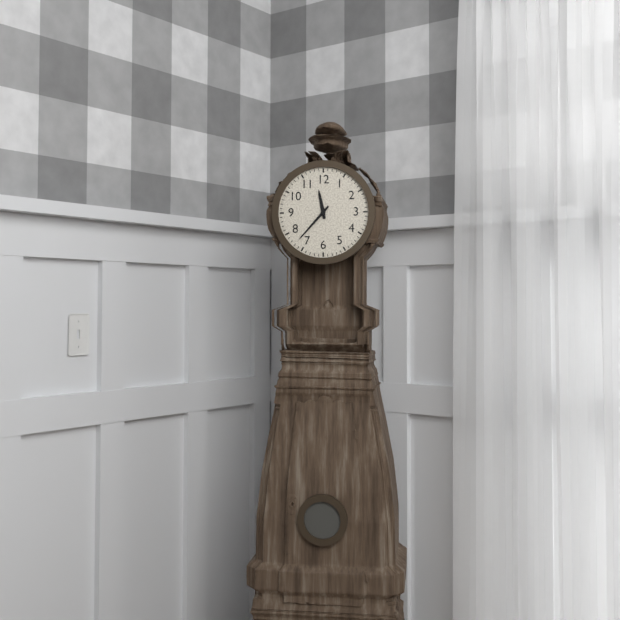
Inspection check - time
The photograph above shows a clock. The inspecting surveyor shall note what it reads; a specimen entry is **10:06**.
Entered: **11:37**
